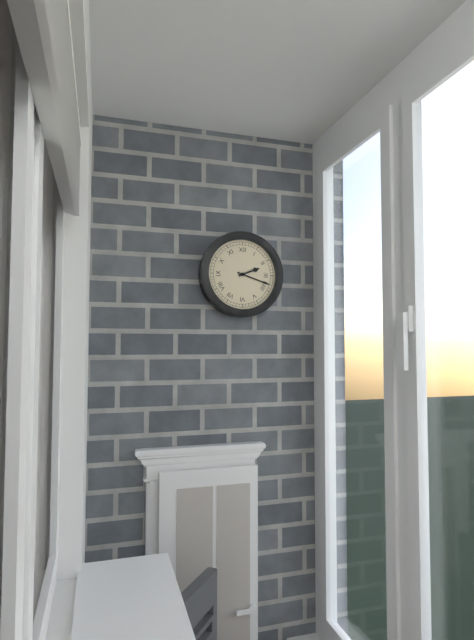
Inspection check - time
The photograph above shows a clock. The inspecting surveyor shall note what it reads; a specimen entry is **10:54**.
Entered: **2:18**
